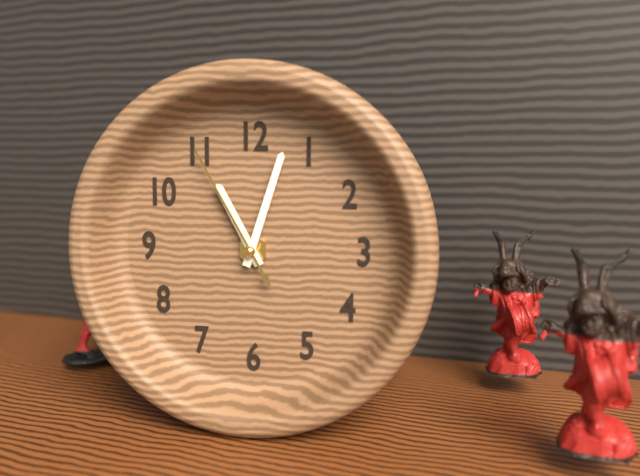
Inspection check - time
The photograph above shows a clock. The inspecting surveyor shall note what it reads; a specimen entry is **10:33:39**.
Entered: **11:03:55**
